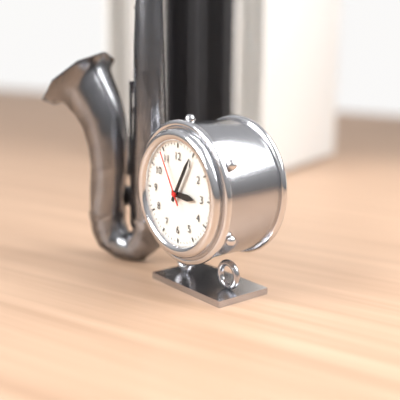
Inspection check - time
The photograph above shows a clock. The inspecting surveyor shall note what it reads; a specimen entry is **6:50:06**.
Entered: **3:05:55**
